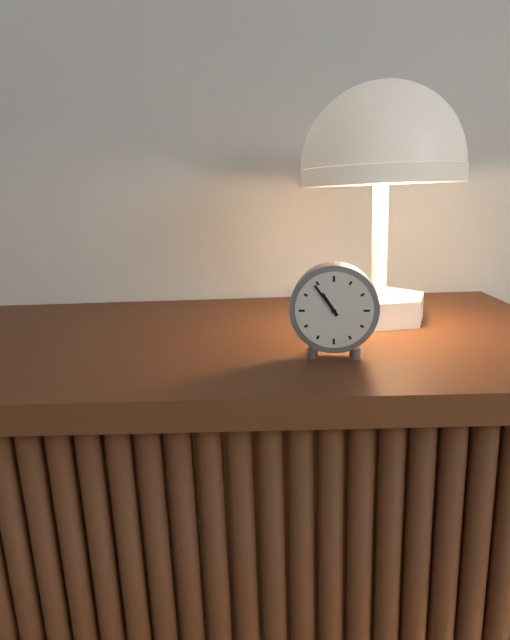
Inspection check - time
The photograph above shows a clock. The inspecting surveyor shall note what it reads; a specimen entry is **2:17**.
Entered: **10:54**
